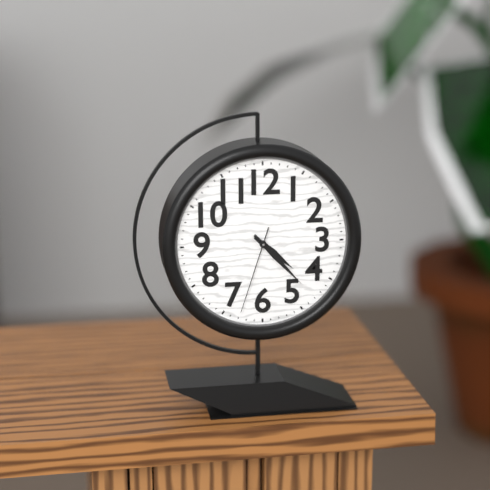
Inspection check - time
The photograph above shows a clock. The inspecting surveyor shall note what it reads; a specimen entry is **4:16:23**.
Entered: **4:23:33**
